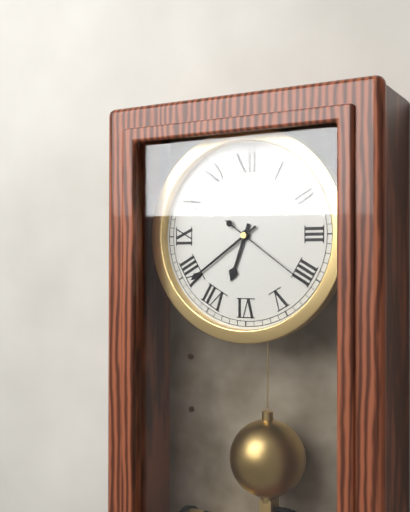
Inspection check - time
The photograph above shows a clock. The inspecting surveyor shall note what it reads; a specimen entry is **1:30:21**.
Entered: **6:39:21**
